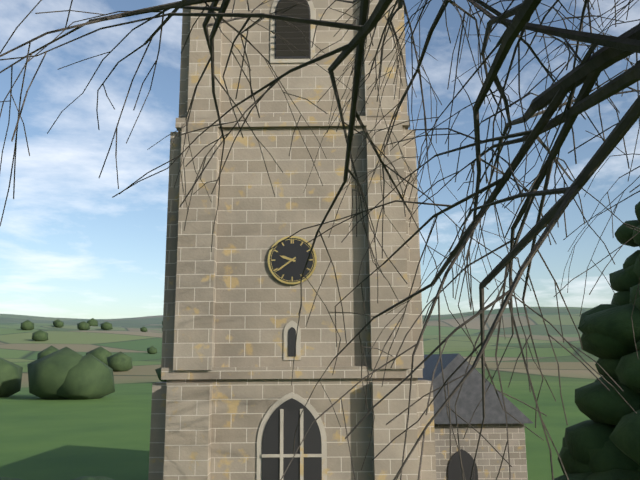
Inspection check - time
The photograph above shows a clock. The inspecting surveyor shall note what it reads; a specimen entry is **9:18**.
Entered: **9:39**
